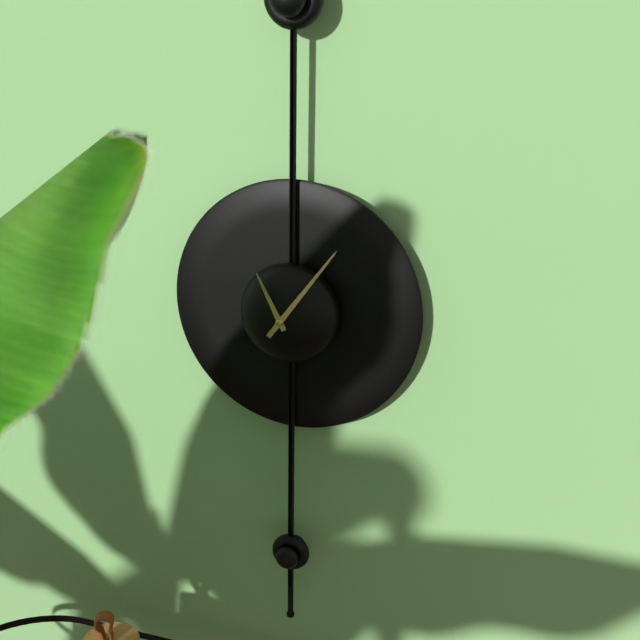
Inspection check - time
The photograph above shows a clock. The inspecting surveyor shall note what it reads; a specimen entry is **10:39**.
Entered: **11:06**
